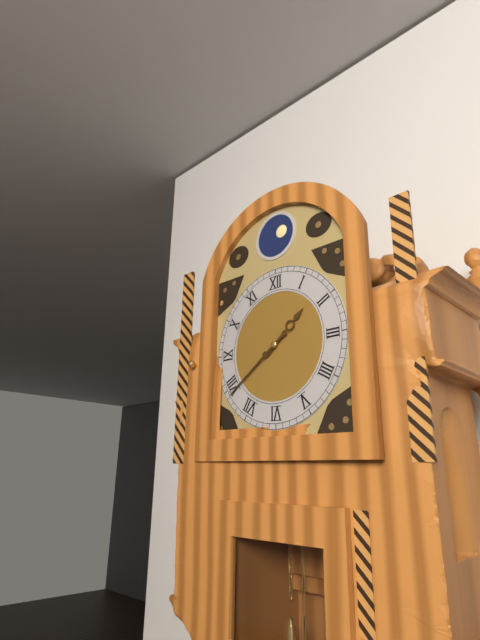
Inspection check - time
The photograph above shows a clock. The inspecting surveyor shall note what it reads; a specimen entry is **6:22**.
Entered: **1:39**
